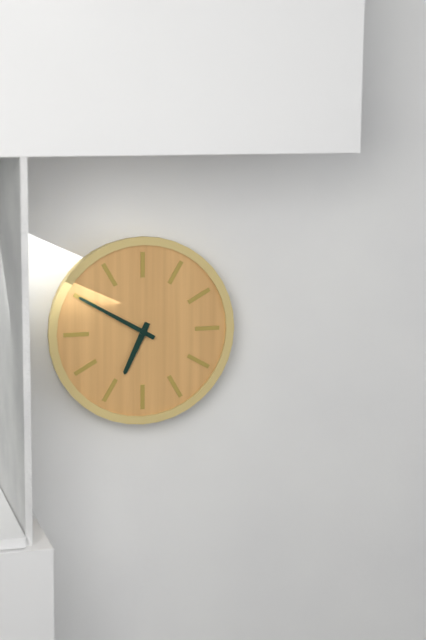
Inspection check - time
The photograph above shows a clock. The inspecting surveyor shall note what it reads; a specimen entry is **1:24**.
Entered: **6:50**
